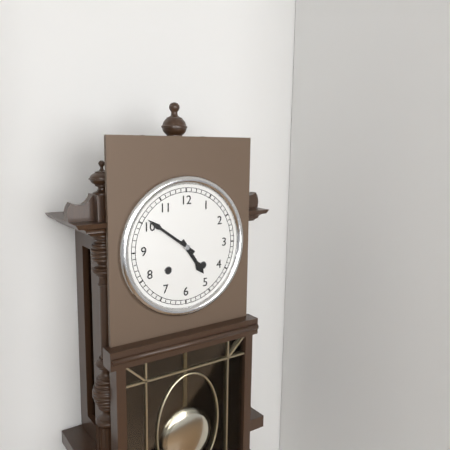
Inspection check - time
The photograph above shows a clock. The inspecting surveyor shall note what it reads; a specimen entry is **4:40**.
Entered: **4:51**
